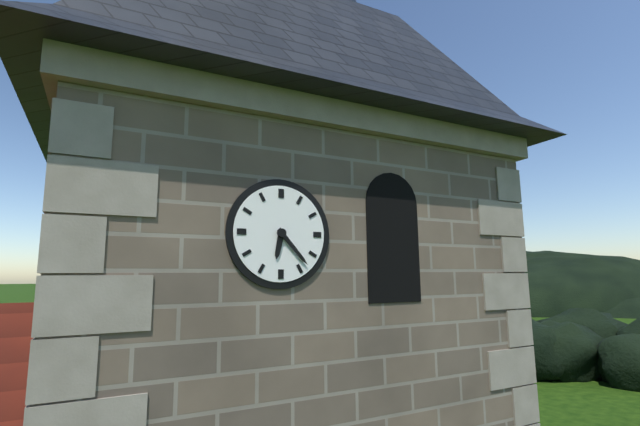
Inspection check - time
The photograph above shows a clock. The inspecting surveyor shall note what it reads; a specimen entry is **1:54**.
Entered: **6:23**
